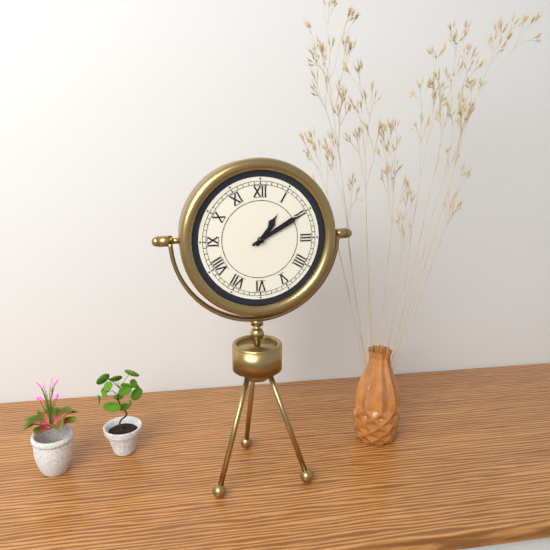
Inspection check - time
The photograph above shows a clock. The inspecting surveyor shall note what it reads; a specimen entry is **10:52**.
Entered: **1:10**
